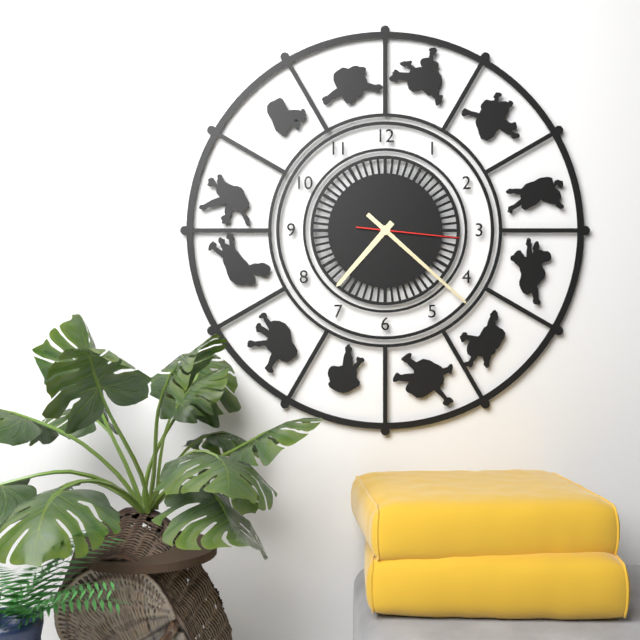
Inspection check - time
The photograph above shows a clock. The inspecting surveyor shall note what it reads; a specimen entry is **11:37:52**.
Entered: **7:22:16**
